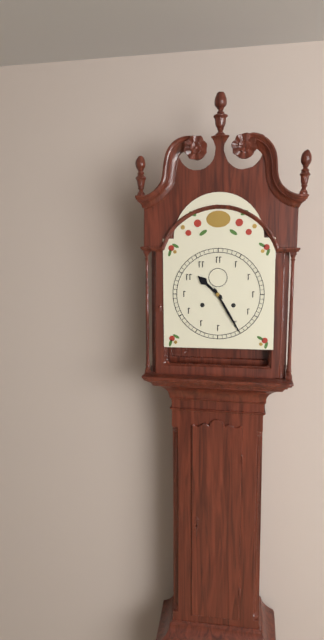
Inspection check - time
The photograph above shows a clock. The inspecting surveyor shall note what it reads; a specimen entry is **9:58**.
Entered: **10:25**
